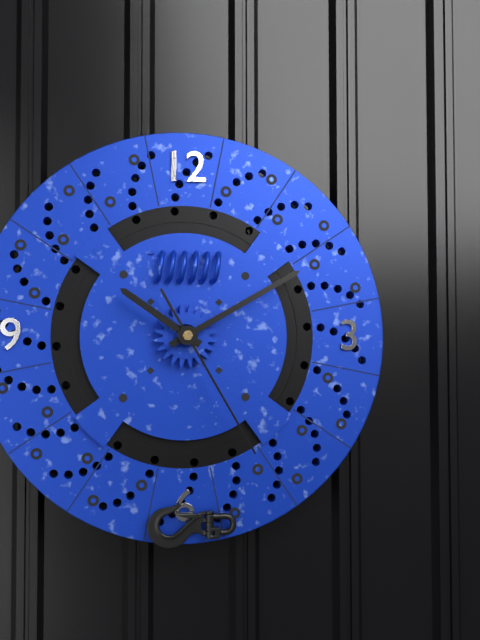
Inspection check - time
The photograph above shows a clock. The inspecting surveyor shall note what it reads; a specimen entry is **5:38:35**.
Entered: **10:10:25**
